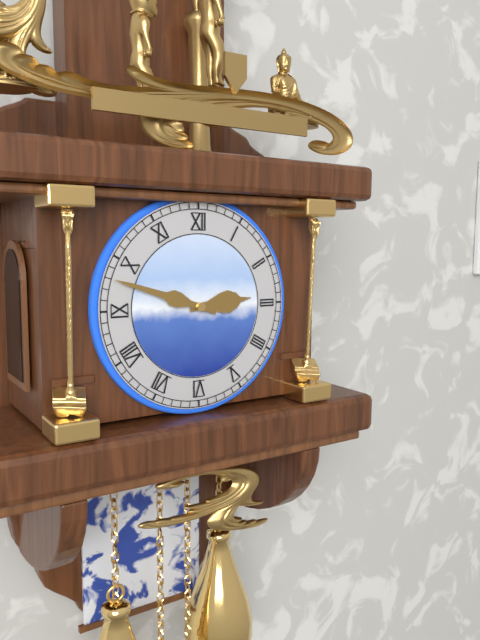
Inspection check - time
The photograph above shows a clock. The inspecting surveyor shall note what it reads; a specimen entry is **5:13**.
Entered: **2:48**
